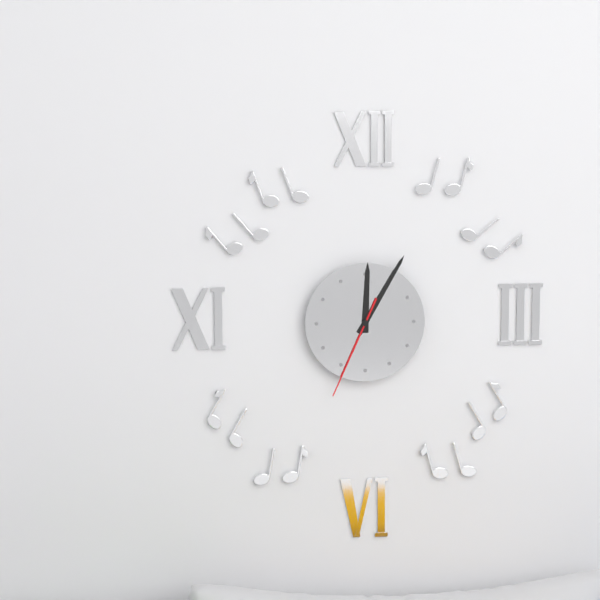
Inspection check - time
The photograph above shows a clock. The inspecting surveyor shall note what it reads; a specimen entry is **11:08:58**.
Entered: **12:05:34**
